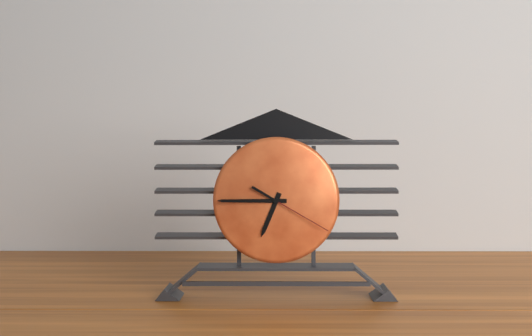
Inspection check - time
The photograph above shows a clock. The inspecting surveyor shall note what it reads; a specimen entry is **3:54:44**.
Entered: **6:45:20**
